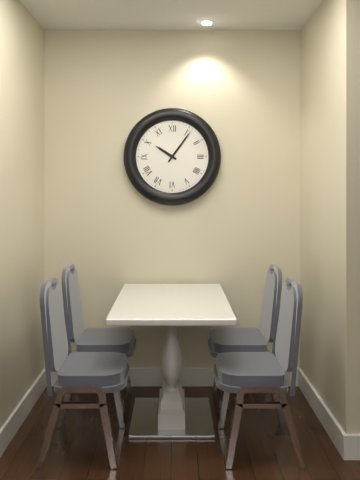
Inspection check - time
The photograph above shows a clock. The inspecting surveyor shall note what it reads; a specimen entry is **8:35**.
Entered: **10:06**
